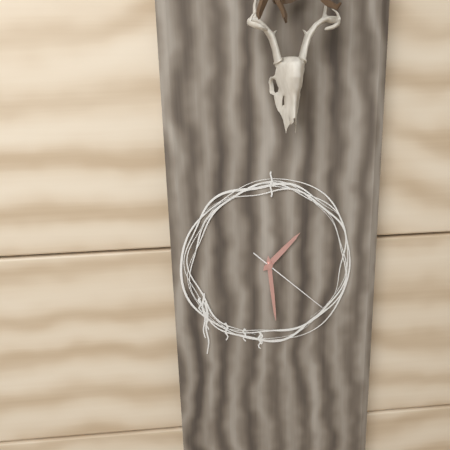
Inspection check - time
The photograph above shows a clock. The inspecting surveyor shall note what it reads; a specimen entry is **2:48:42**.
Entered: **1:29:22**
